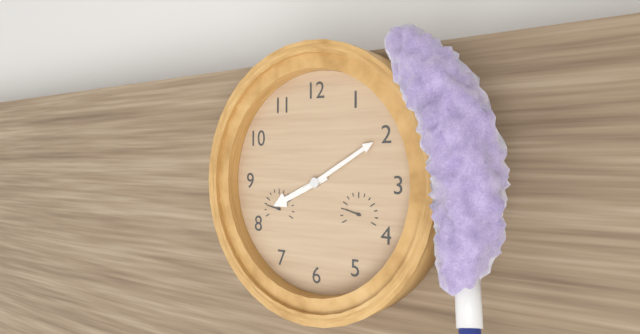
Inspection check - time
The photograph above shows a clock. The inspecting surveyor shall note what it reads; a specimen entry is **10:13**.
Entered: **8:10**
